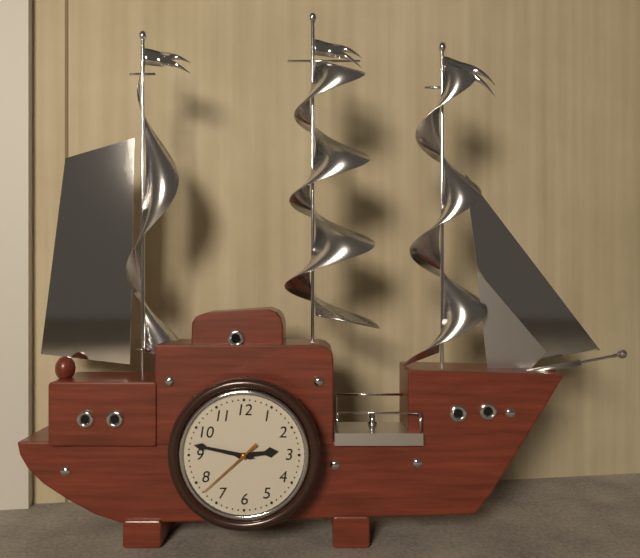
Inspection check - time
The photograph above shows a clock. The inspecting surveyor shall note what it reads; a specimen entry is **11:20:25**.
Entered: **2:47:38**
